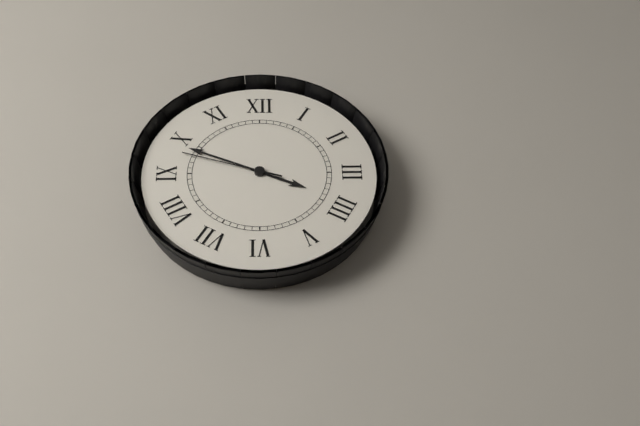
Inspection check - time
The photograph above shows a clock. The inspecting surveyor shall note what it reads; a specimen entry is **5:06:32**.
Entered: **3:49:48**
